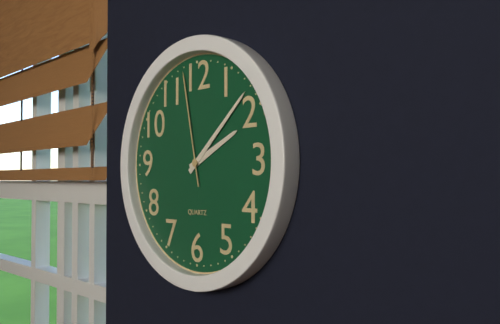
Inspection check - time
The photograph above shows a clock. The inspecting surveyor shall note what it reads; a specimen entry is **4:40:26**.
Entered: **2:08:58**
